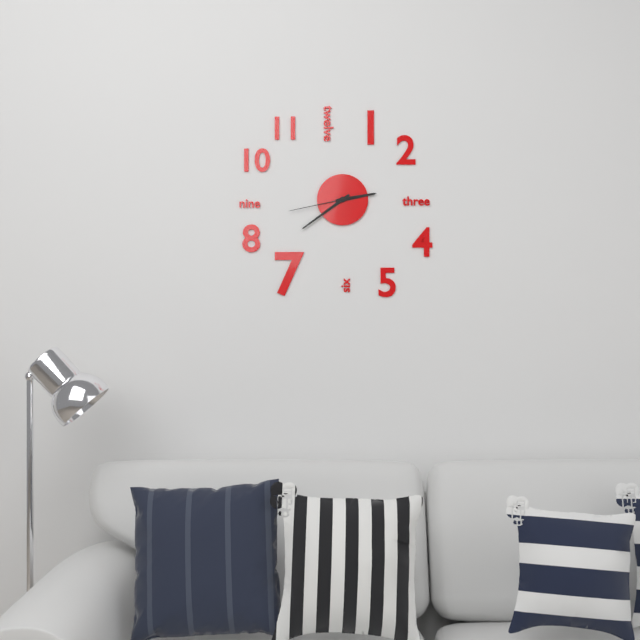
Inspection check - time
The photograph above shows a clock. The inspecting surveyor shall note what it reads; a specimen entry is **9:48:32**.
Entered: **2:39:43**
